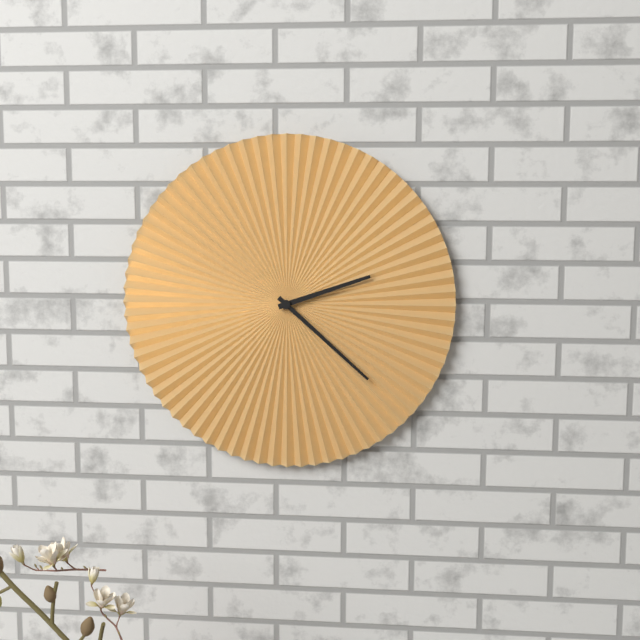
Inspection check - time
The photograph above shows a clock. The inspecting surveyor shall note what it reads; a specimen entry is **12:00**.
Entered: **2:22**
